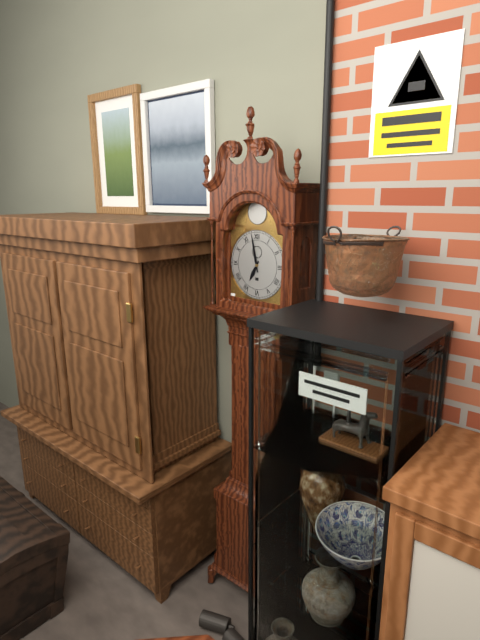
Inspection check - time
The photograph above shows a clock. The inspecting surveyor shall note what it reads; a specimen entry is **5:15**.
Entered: **6:58**
